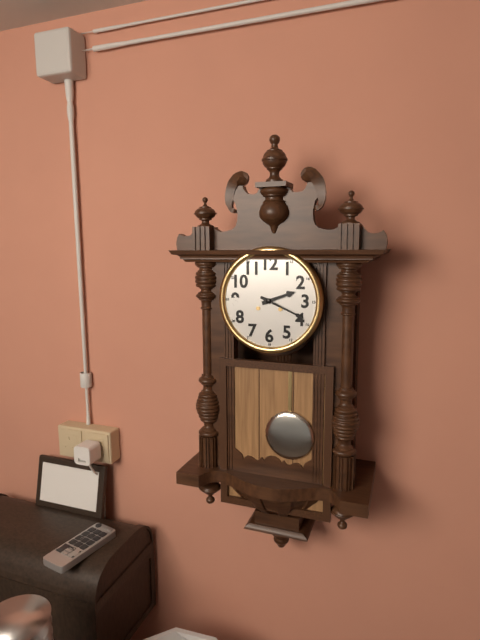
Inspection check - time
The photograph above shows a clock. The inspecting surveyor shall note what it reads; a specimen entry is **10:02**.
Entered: **2:19**
